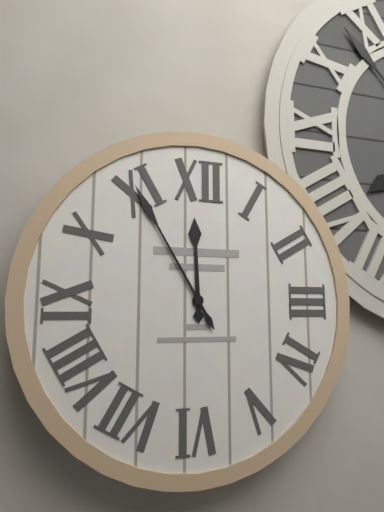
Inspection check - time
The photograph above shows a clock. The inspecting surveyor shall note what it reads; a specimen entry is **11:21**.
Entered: **11:55**
